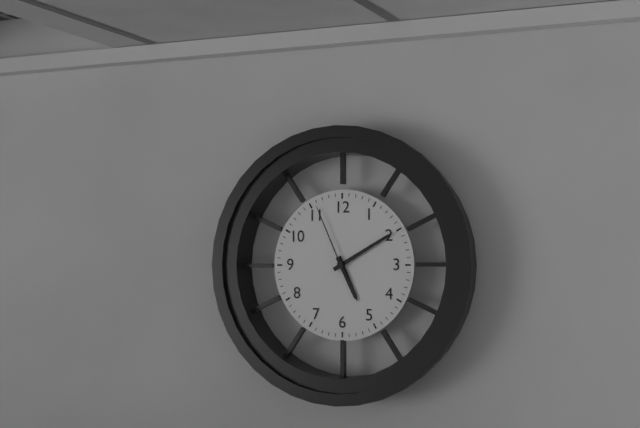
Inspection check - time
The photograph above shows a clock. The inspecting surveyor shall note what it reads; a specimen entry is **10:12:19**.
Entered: **5:10:56**
